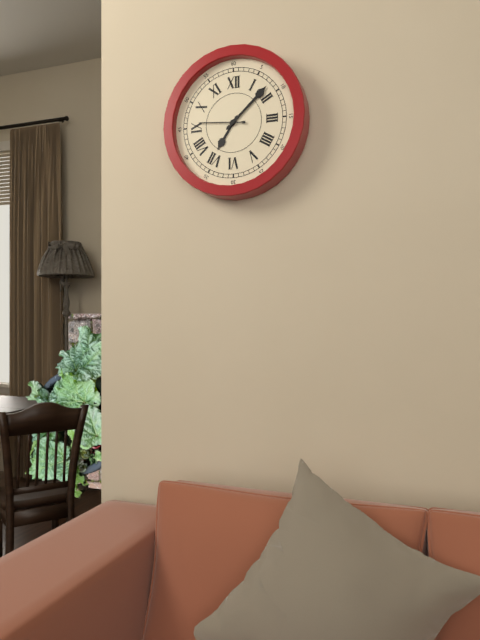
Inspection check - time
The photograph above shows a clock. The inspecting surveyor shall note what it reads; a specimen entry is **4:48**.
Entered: **7:08**
